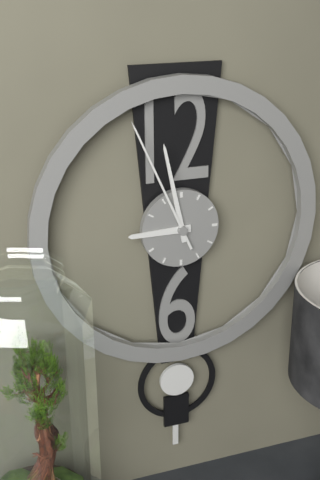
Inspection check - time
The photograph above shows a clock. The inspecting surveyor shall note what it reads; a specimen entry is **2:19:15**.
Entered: **8:58:56**
